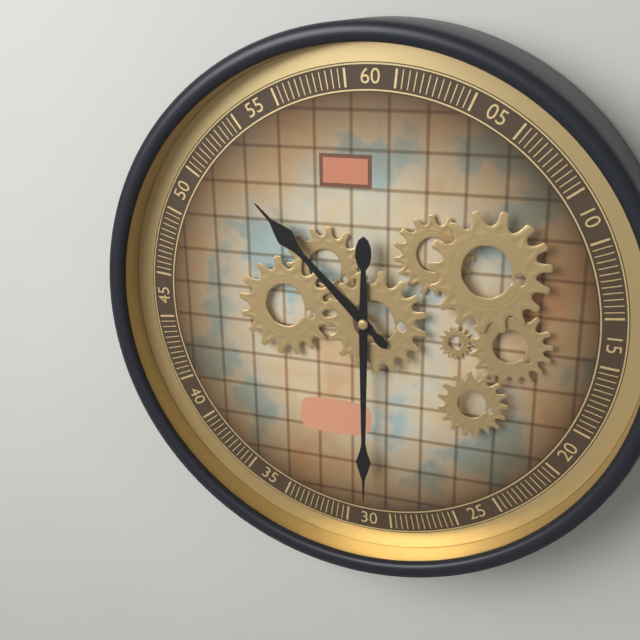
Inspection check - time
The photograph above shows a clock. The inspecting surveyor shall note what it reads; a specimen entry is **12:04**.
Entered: **10:30**
